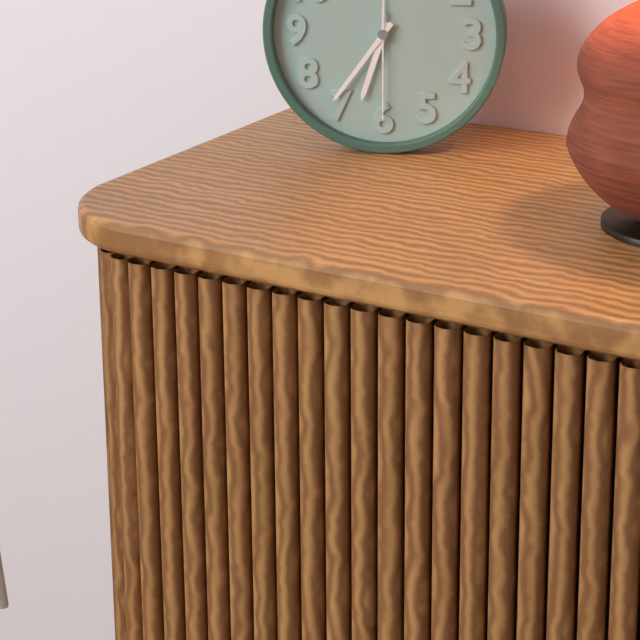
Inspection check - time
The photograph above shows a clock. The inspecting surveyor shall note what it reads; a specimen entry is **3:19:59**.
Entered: **6:36:30**
